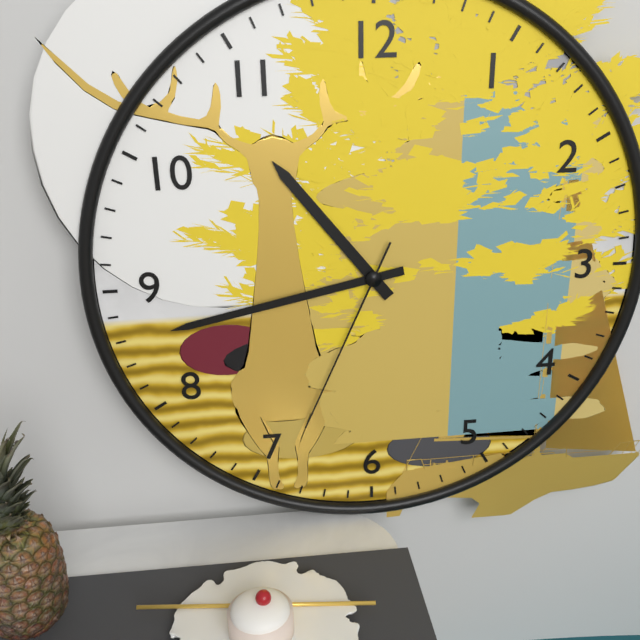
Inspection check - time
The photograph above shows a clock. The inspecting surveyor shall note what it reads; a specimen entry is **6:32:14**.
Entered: **10:43:34**
